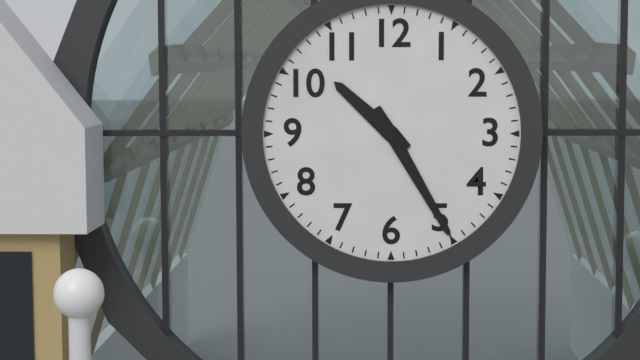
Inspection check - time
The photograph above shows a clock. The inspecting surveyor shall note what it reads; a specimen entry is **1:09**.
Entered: **10:25**
